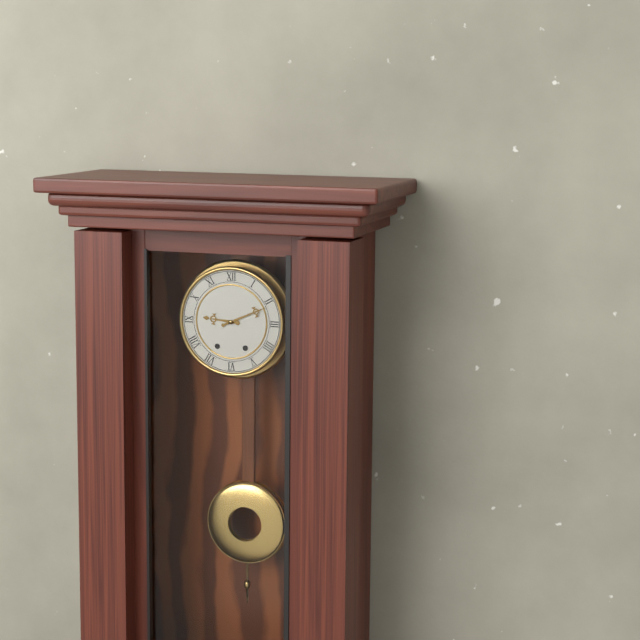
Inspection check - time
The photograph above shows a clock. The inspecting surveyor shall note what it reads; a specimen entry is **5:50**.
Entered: **9:11**
